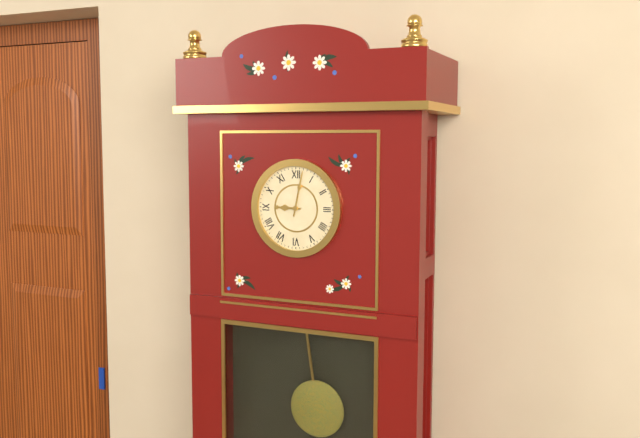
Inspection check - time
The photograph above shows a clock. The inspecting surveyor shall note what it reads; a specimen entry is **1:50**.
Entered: **9:02**
